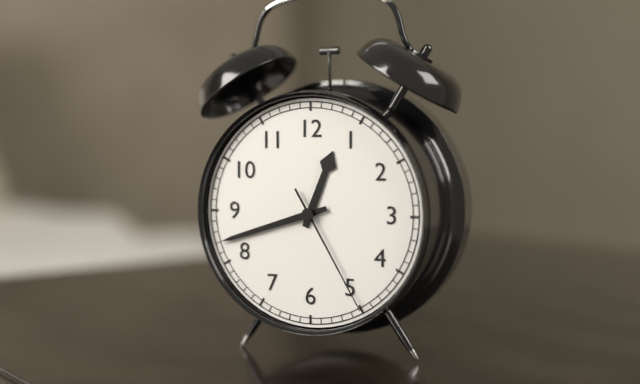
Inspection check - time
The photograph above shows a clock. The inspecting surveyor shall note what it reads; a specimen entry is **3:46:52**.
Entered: **12:42:25**
